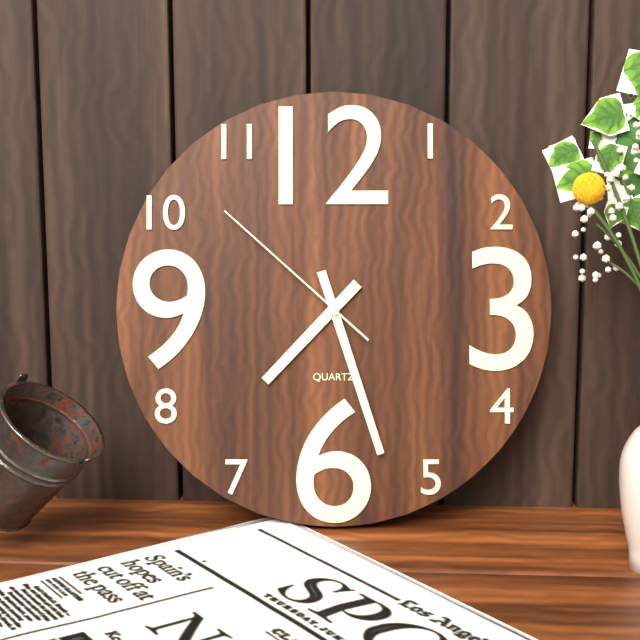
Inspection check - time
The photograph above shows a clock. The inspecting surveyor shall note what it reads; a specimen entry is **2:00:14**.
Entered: **7:27:52**
